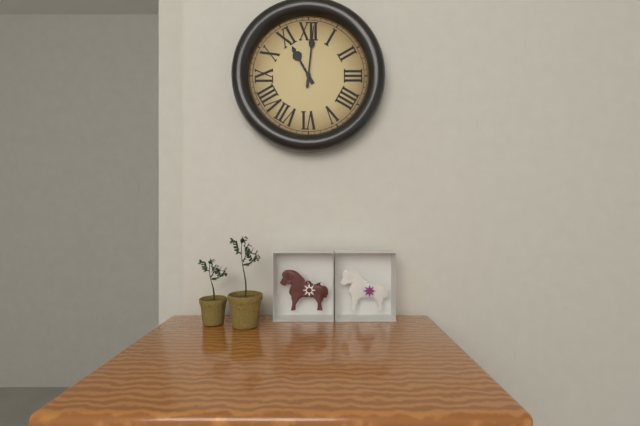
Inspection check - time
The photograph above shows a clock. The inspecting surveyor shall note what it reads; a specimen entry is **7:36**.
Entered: **11:01**
